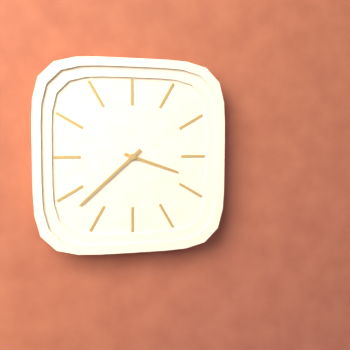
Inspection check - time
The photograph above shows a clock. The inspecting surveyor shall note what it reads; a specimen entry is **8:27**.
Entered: **3:38**
